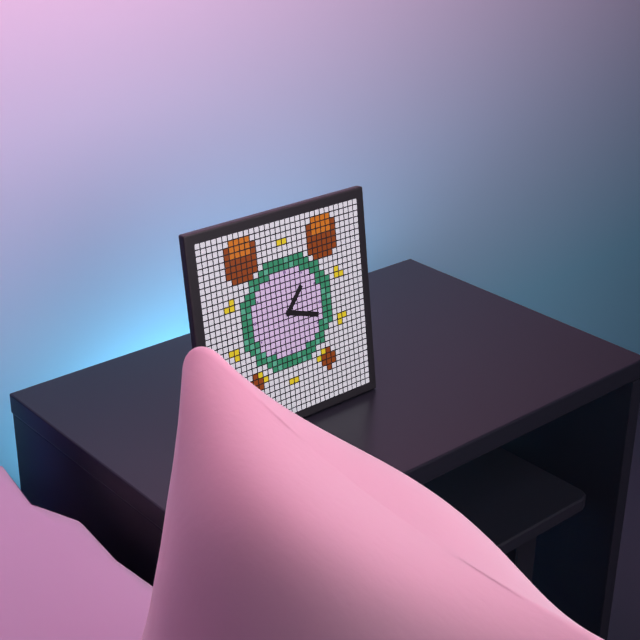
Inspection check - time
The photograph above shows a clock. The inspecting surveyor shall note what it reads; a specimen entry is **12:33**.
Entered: **1:18**
